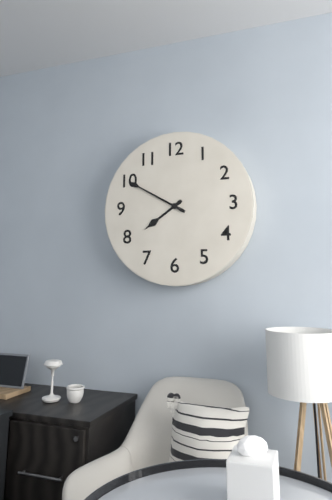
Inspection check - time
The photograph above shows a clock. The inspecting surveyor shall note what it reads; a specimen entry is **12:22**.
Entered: **7:50**
